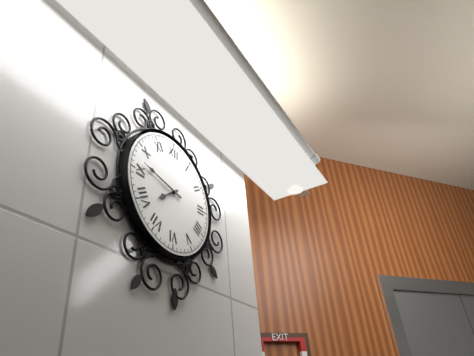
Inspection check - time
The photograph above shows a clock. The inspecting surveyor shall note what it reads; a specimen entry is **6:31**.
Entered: **7:47**
